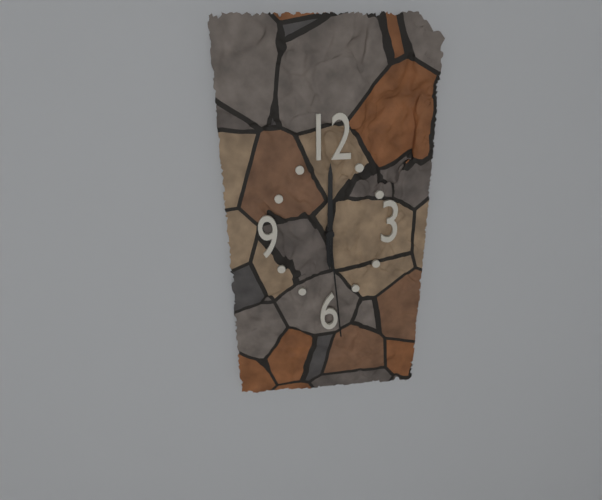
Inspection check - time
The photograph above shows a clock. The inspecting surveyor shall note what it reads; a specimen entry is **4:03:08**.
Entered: **6:00:29**
